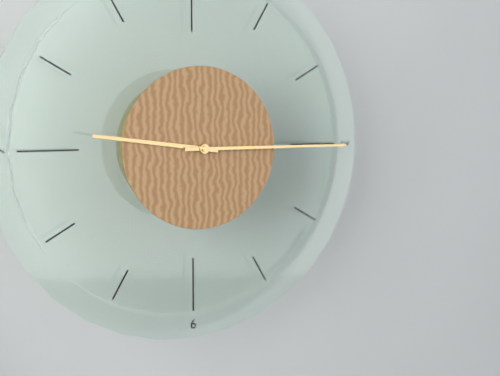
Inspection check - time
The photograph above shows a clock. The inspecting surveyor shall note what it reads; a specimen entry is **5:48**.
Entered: **9:15**
